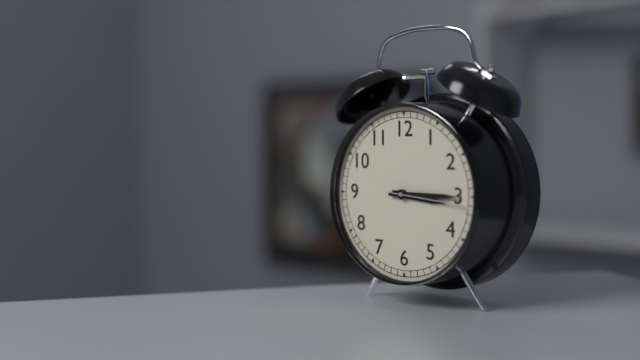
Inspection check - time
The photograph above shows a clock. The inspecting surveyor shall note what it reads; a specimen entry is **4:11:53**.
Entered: **3:15:16**
